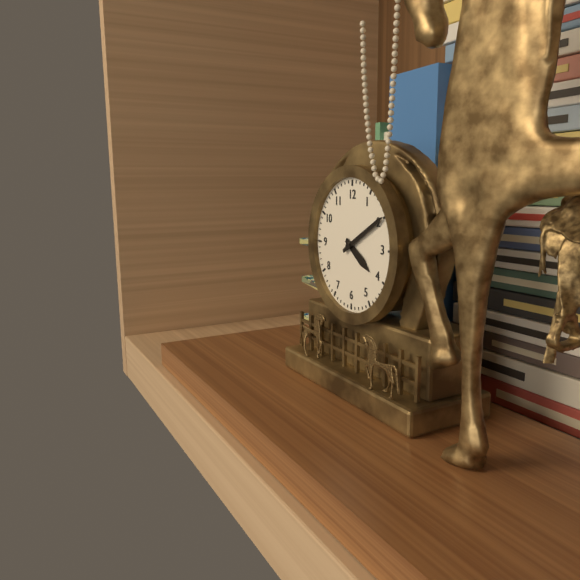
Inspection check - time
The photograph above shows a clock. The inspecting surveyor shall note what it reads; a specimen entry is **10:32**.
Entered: **4:10**
